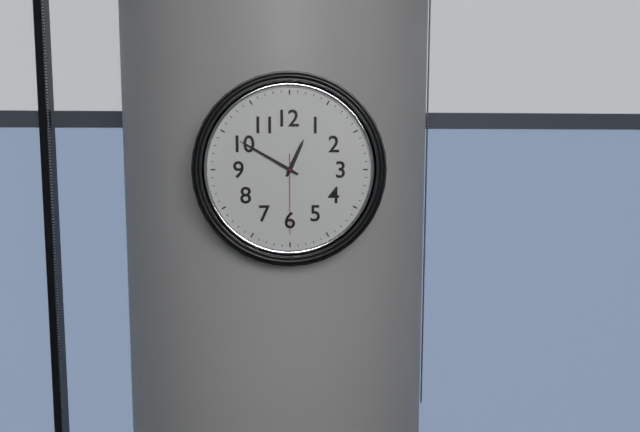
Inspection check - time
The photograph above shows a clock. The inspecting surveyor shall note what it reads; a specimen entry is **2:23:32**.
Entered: **12:50:30**
